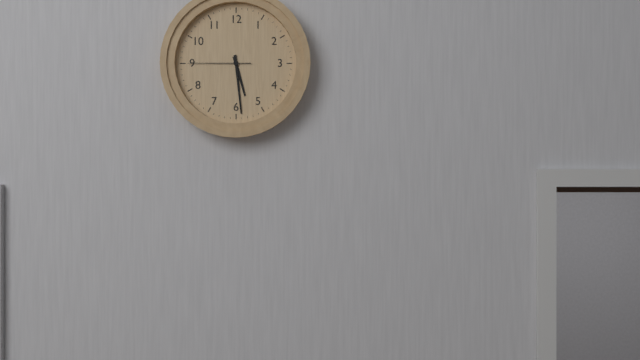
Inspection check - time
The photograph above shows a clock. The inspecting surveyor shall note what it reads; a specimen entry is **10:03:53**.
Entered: **5:29:45**
